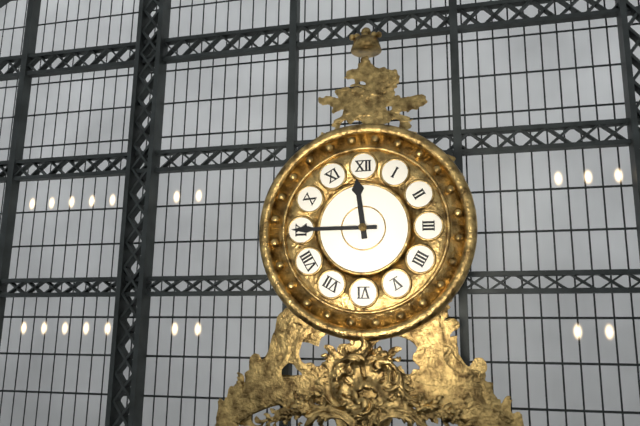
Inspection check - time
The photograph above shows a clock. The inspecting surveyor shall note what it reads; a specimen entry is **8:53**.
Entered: **11:45**
